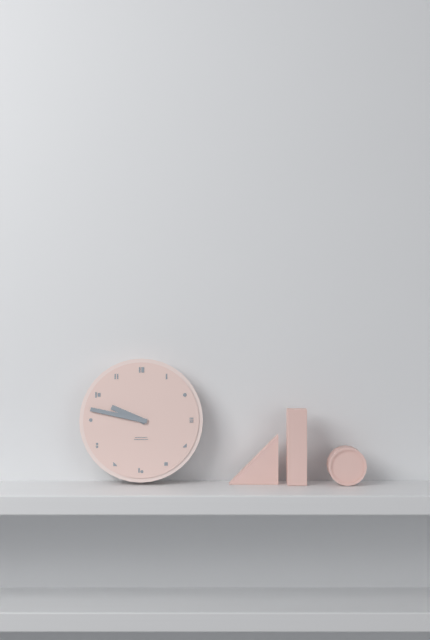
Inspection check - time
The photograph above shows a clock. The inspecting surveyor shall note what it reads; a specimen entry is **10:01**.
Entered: **9:47**
